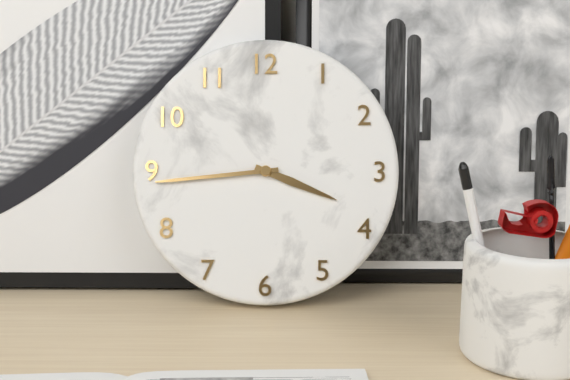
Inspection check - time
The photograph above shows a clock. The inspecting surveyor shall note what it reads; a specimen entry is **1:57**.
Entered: **3:44**
